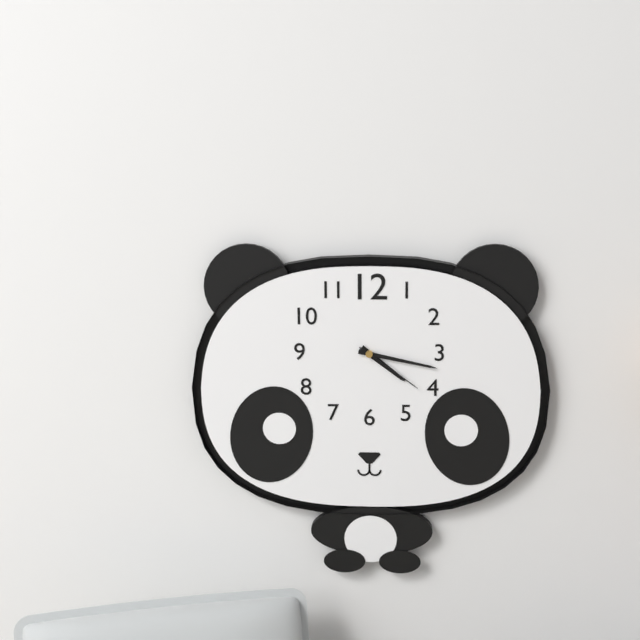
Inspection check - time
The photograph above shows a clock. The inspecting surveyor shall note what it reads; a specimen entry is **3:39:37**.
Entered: **4:17:21**
